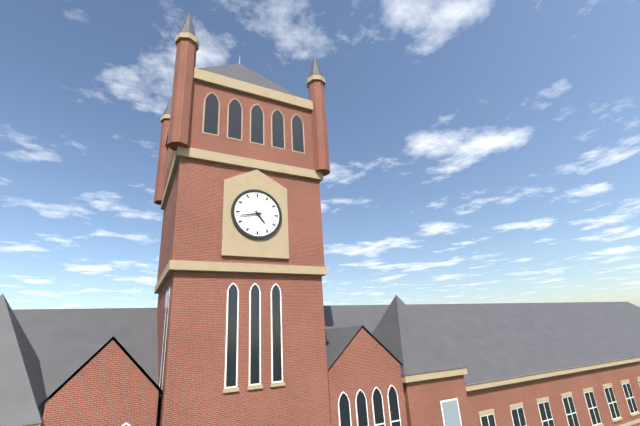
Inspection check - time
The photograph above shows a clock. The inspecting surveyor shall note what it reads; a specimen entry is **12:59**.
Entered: **4:43**
